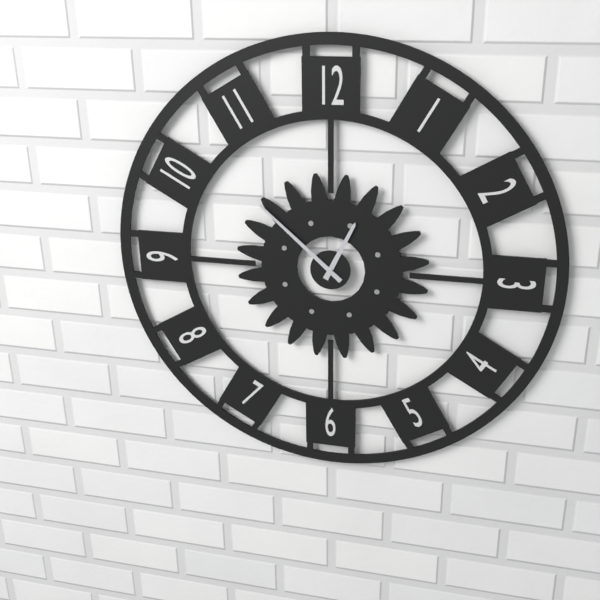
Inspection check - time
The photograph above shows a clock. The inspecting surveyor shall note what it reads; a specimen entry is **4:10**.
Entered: **12:52**
